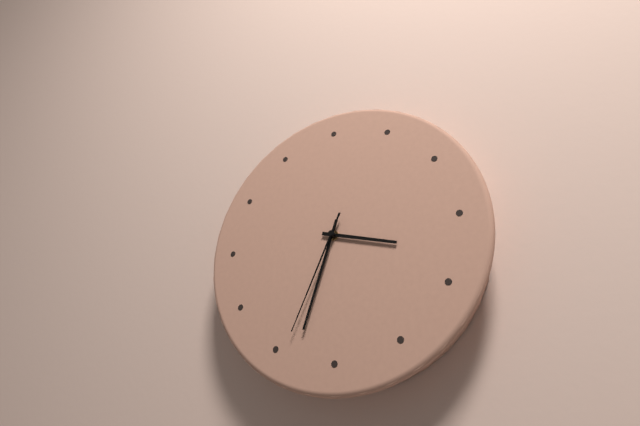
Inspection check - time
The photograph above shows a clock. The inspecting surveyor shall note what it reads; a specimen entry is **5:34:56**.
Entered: **3:33:34**
